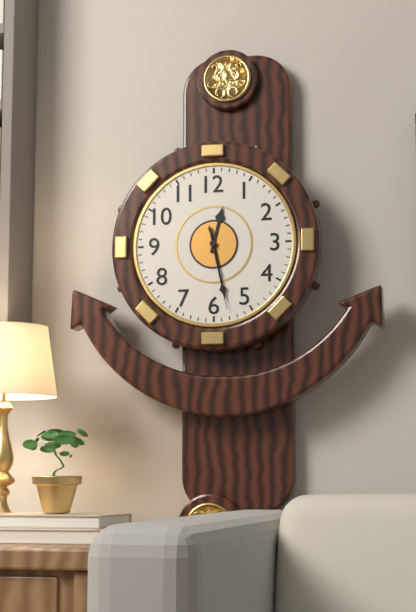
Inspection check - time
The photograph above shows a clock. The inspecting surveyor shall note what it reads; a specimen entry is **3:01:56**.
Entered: **12:28:28**
